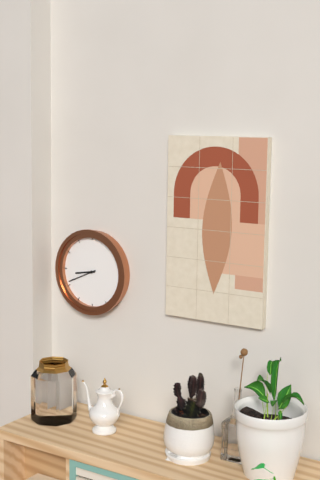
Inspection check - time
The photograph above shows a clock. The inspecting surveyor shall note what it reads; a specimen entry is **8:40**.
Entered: **8:41**
